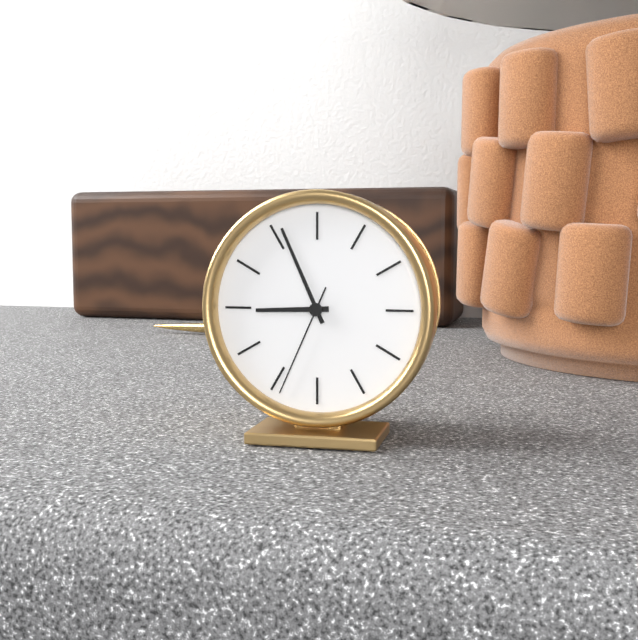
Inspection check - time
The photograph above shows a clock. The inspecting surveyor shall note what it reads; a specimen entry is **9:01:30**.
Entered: **8:56:34**
